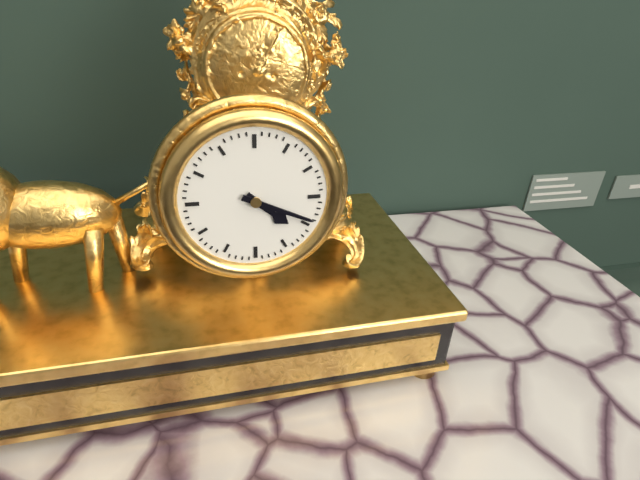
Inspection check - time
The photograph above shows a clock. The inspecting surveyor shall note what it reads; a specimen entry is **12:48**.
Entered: **4:19**
